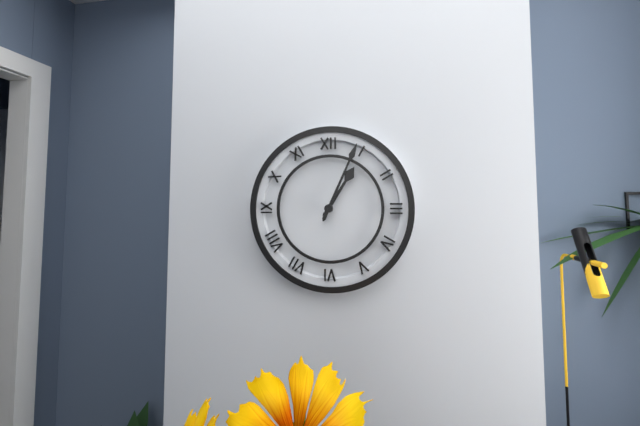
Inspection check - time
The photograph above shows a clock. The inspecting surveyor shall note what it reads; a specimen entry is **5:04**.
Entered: **1:04**
